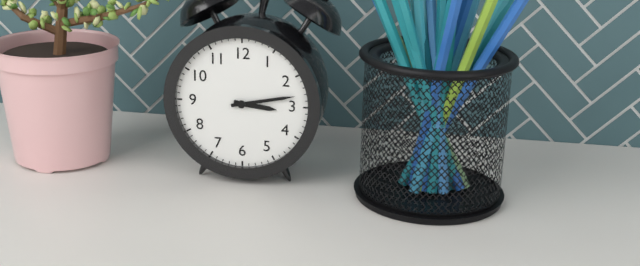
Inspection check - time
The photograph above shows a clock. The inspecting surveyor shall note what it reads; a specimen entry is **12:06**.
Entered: **3:13**
